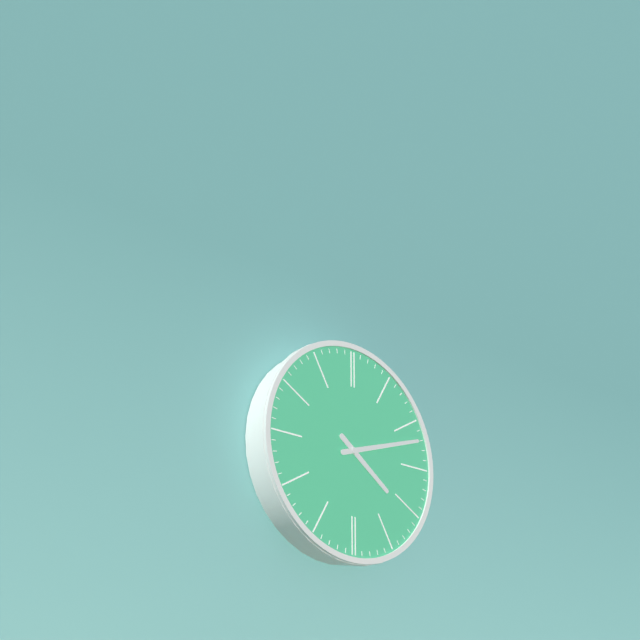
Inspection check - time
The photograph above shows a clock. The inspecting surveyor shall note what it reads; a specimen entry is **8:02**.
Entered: **4:12**
